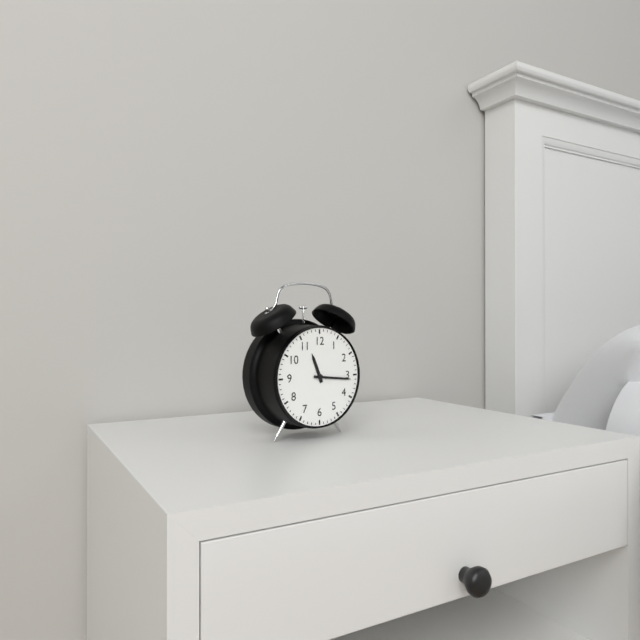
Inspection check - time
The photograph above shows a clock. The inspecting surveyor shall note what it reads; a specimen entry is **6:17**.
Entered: **11:16**
